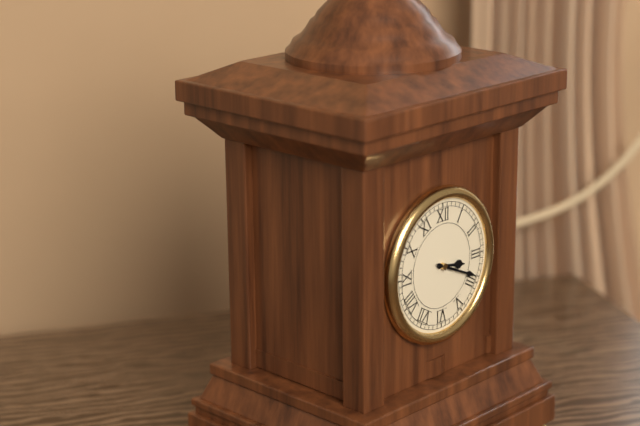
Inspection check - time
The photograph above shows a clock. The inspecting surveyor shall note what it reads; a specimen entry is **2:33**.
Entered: **3:19**
